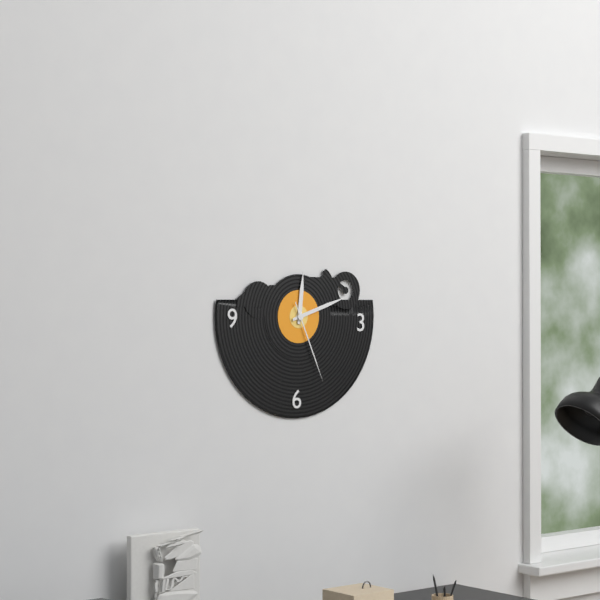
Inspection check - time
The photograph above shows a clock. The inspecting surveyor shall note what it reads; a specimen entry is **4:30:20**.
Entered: **12:12:26**
